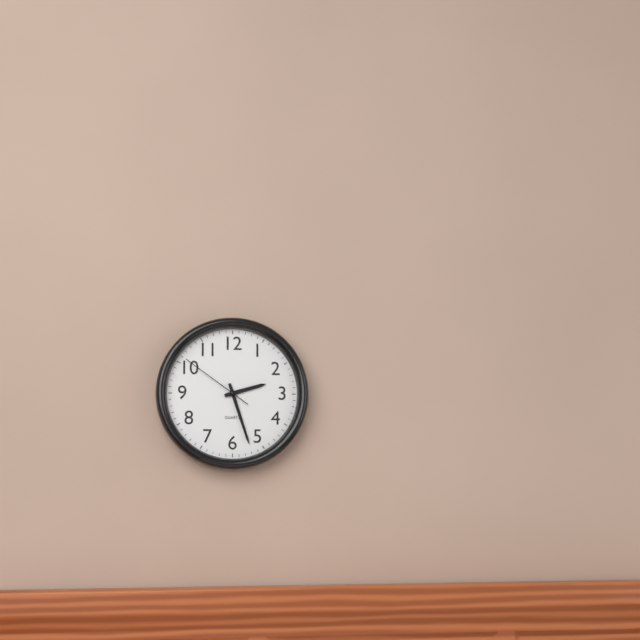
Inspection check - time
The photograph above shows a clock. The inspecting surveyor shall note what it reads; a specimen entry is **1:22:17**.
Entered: **2:27:51**
